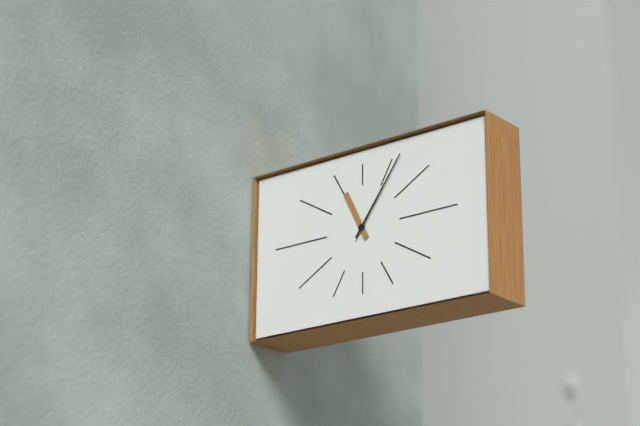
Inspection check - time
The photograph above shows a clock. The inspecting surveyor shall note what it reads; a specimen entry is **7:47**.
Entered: **11:06**
